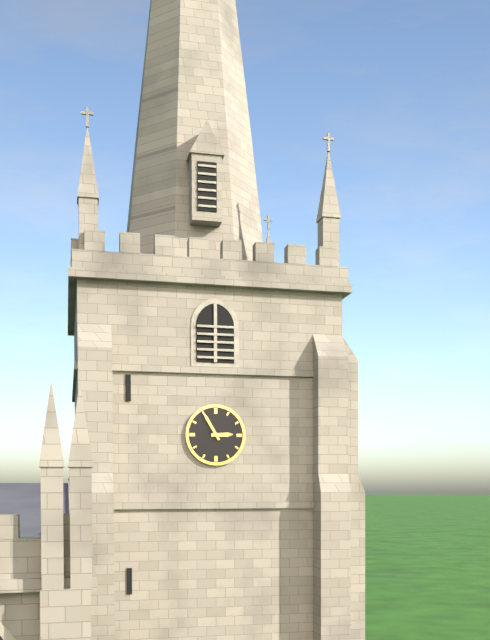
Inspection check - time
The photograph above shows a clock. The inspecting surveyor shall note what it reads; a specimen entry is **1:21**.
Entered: **2:55**
